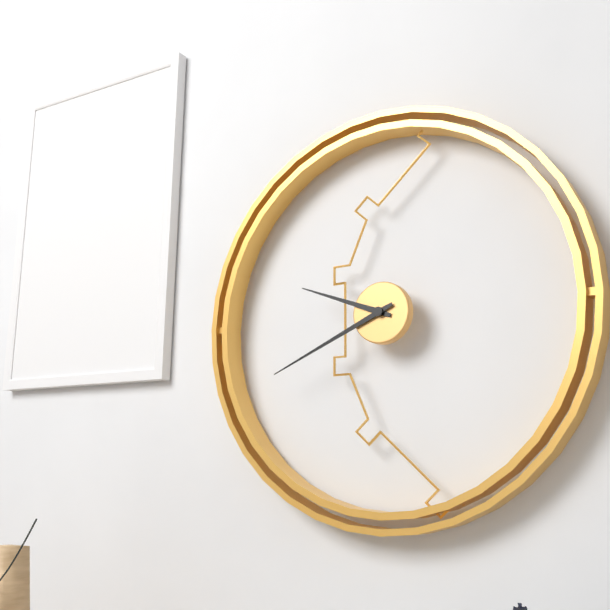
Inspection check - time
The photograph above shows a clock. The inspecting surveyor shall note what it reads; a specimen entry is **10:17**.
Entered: **9:41**
